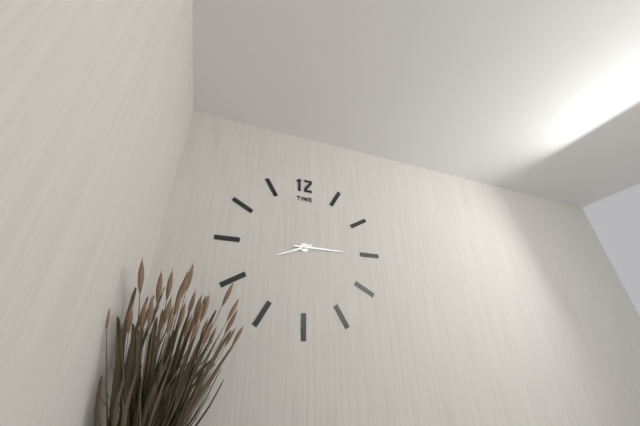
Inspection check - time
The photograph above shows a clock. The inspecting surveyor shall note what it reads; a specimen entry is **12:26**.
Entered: **8:15**
